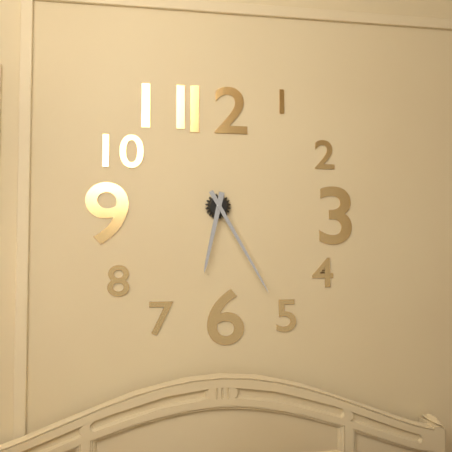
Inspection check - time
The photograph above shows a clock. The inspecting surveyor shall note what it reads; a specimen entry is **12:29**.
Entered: **6:25**
